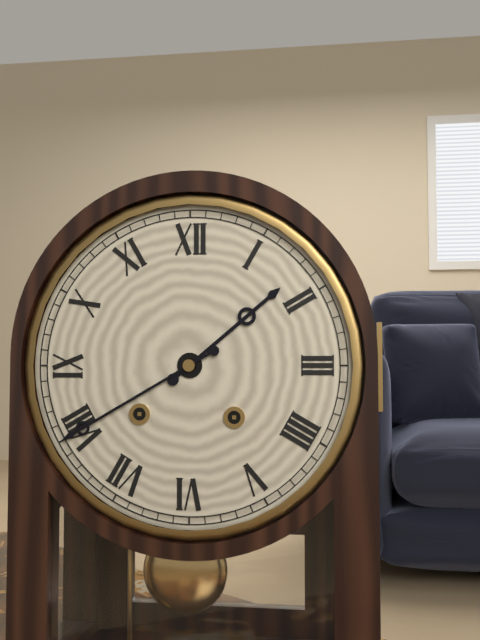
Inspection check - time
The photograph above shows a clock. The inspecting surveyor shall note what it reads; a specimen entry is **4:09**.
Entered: **1:40**
